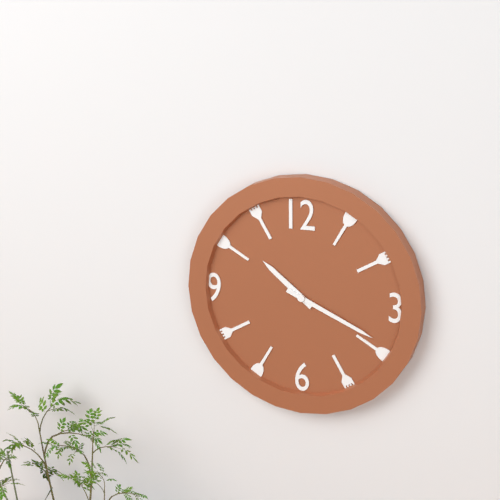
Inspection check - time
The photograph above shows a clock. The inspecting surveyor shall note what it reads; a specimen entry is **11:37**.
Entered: **10:19**
